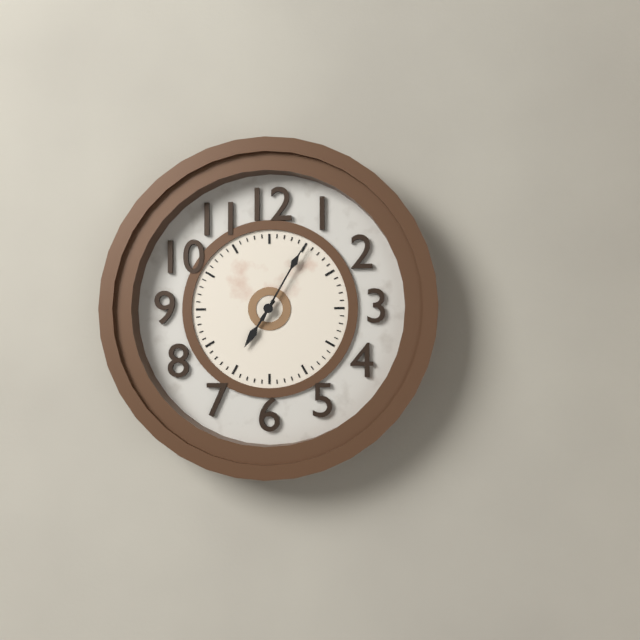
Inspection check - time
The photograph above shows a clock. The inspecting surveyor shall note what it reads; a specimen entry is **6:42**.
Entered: **7:05**
